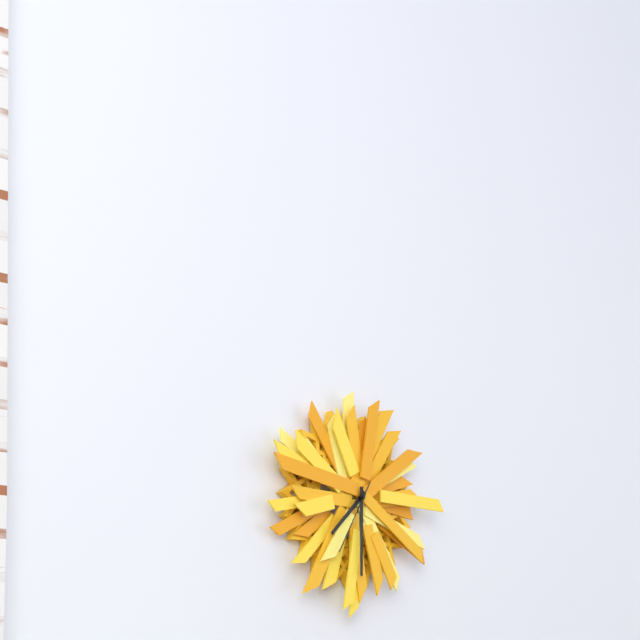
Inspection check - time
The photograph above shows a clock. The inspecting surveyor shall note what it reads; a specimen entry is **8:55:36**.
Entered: **7:30:35**
